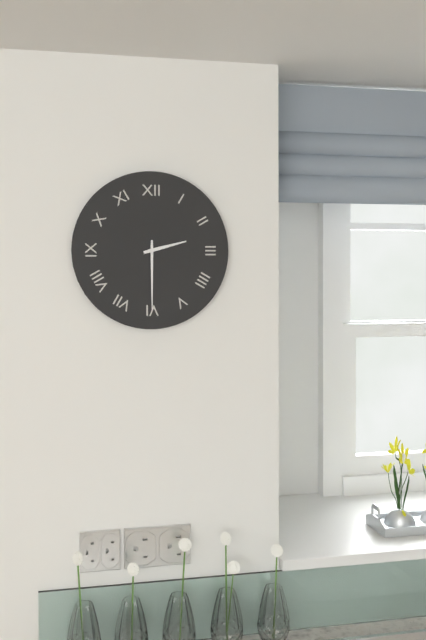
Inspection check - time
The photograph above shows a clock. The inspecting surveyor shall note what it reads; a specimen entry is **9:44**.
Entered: **2:30**
